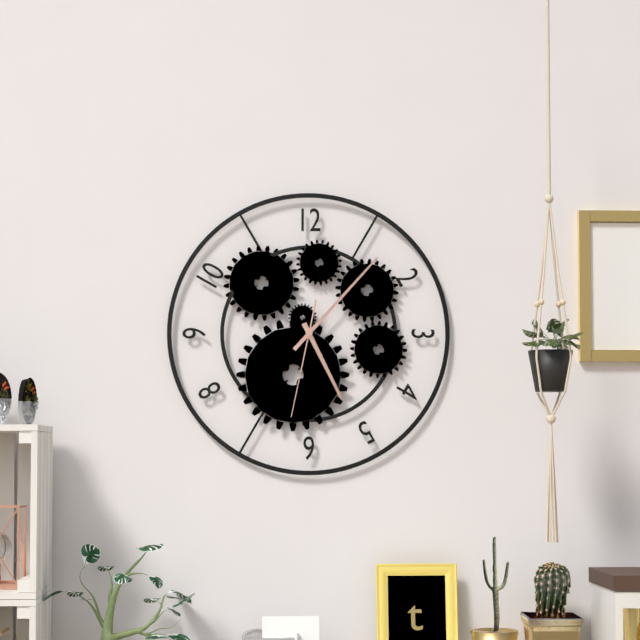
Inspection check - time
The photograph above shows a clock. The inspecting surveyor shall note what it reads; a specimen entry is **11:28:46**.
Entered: **5:07:32**
